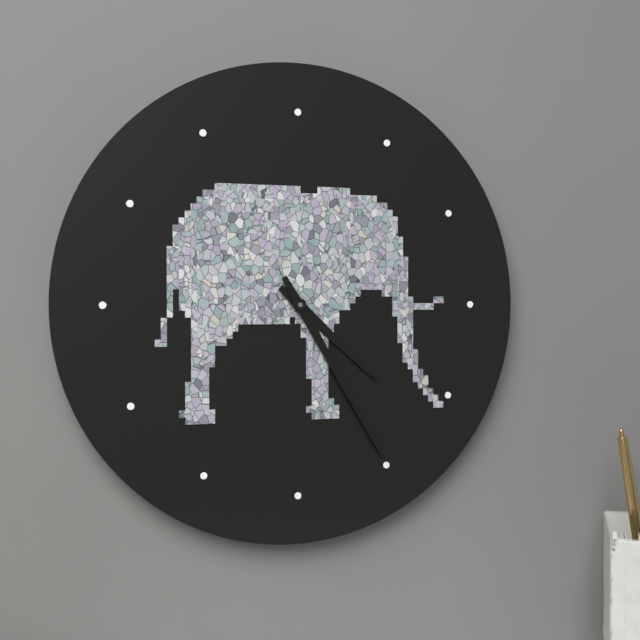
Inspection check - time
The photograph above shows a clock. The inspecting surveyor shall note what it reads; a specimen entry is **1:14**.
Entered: **4:25**
